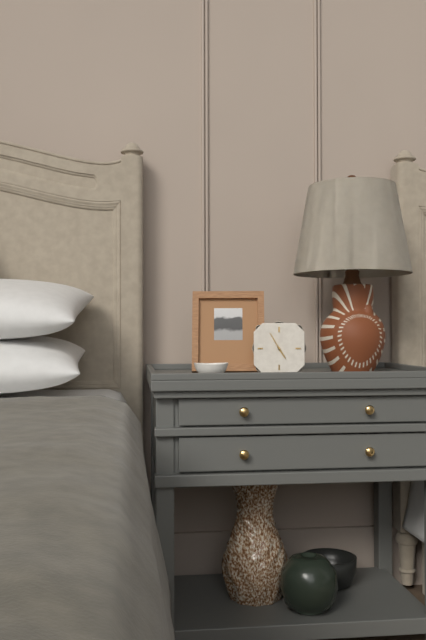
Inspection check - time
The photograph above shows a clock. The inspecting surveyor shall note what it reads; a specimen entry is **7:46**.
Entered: **4:55**
